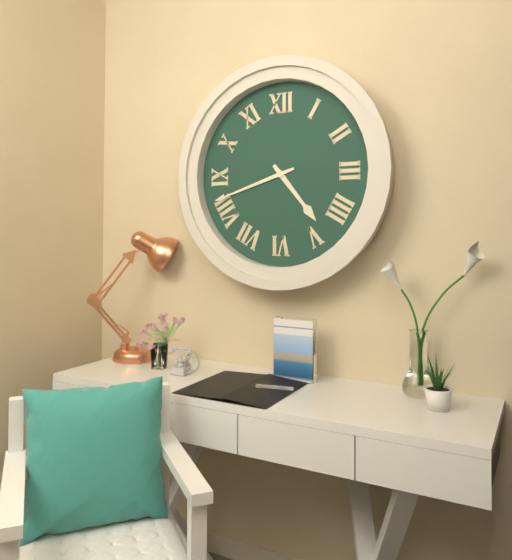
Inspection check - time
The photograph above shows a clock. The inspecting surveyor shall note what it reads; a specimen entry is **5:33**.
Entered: **4:42**
